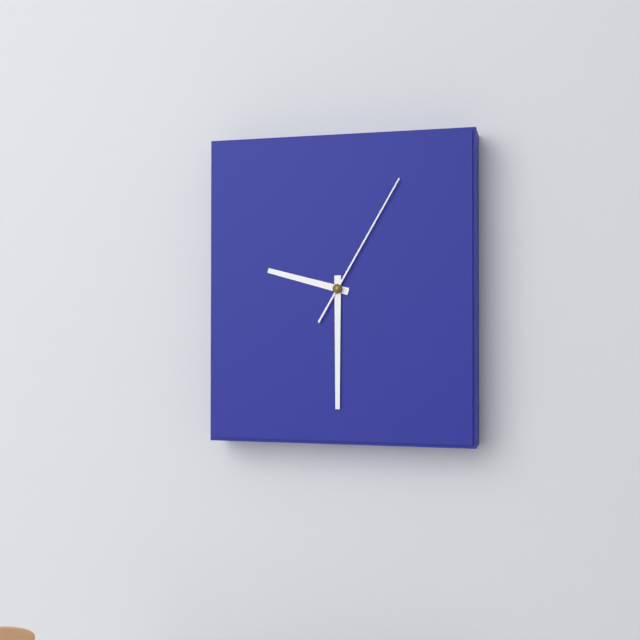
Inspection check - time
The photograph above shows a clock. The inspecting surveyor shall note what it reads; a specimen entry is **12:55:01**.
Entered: **9:30:05**
